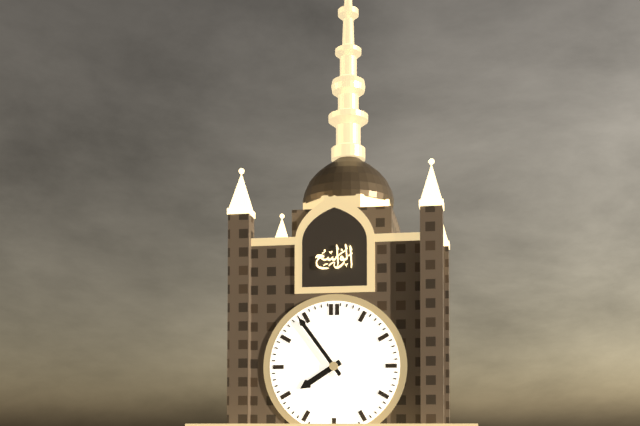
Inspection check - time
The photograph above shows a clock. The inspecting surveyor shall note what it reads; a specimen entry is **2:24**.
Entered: **7:54**
